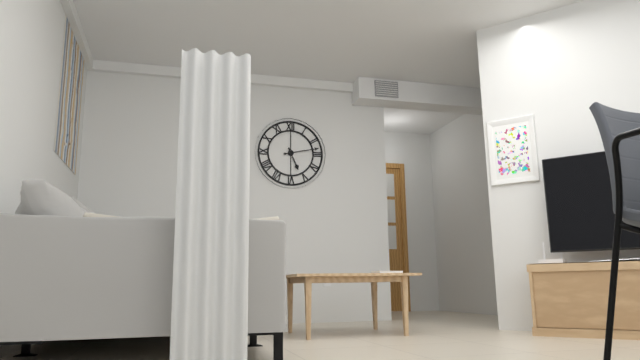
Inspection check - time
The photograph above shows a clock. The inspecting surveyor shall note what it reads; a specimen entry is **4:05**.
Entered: **5:13**
